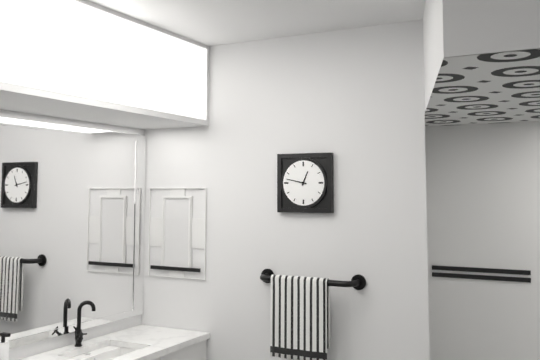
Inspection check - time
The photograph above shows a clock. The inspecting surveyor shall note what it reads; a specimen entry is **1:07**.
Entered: **12:47**
